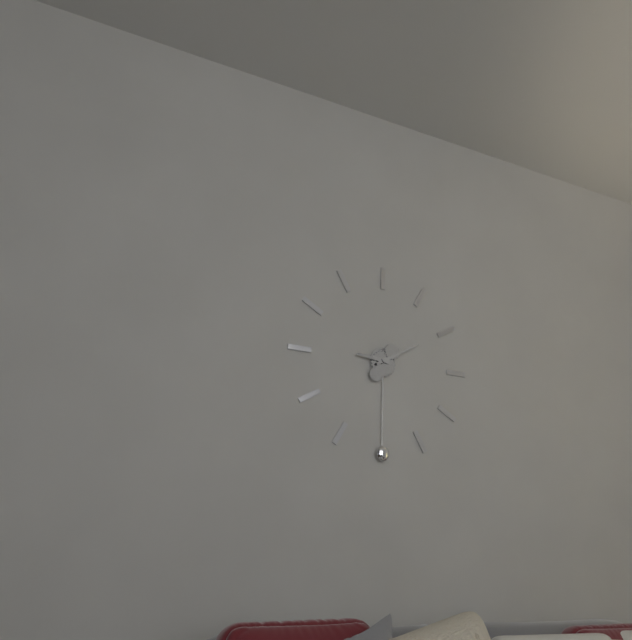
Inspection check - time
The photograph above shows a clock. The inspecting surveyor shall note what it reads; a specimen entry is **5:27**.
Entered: **9:10**
